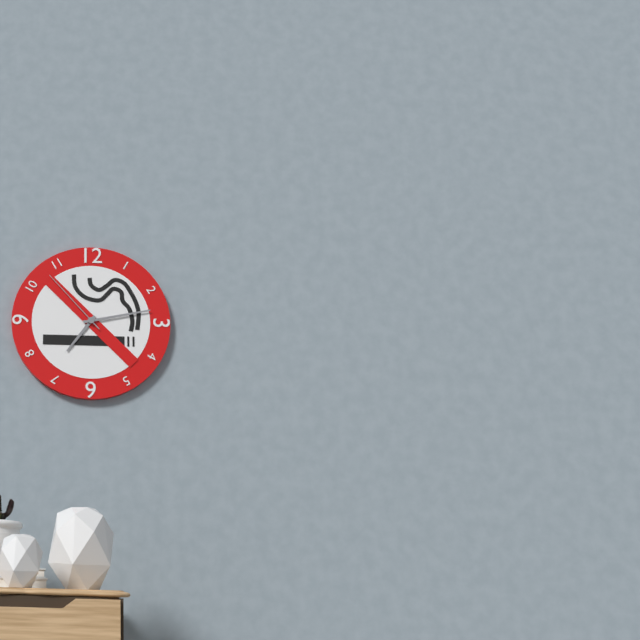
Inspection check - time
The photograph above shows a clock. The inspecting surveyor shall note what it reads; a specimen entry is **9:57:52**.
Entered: **7:13:53**
